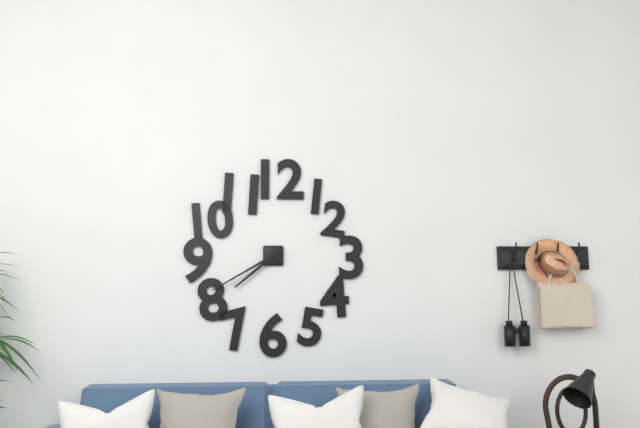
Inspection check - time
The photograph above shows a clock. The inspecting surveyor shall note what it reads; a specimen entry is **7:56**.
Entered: **7:40**
